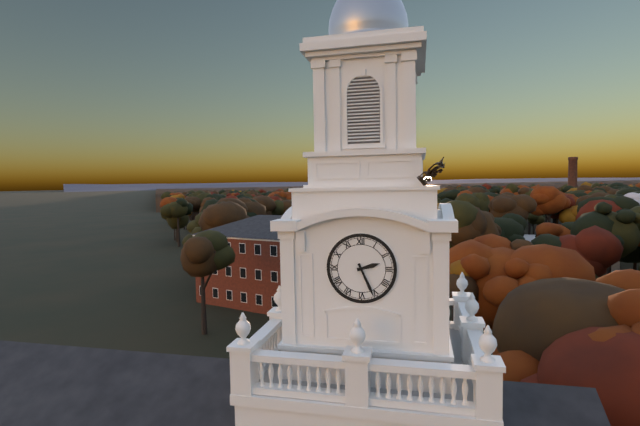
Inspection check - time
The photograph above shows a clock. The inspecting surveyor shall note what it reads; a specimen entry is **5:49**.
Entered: **2:26**
